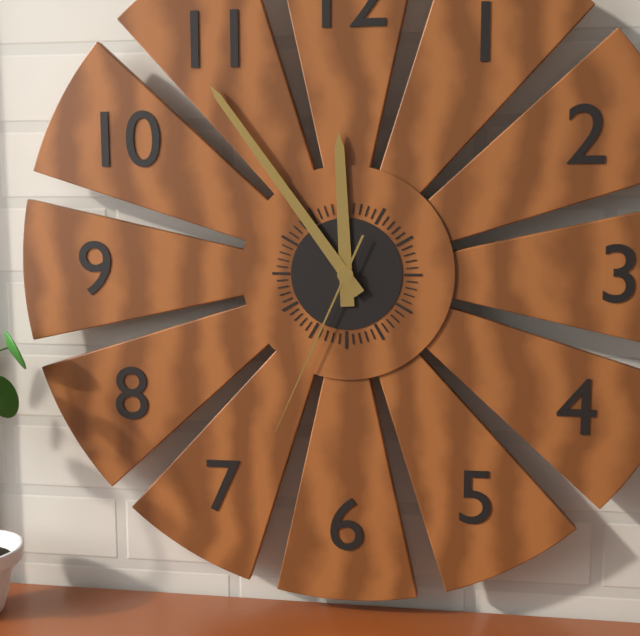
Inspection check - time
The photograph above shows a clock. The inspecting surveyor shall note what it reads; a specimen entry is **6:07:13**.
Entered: **11:54:34**
